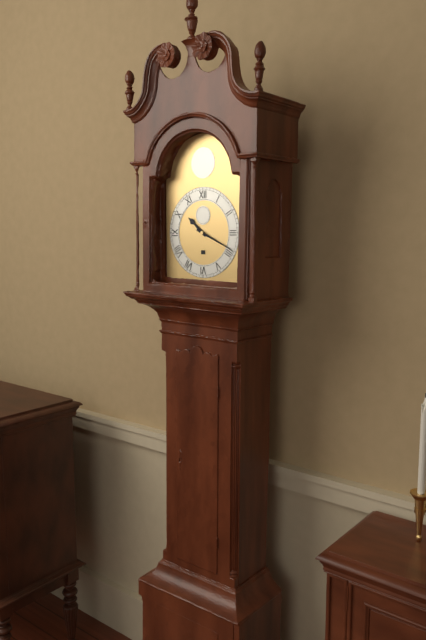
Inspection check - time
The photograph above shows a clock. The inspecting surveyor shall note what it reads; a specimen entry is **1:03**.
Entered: **10:19**
